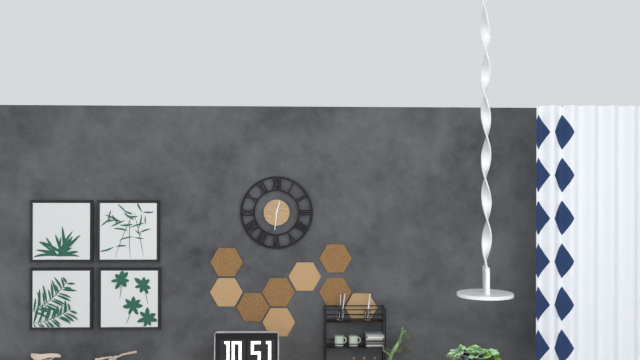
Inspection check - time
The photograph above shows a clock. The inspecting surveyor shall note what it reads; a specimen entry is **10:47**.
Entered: **12:31**
